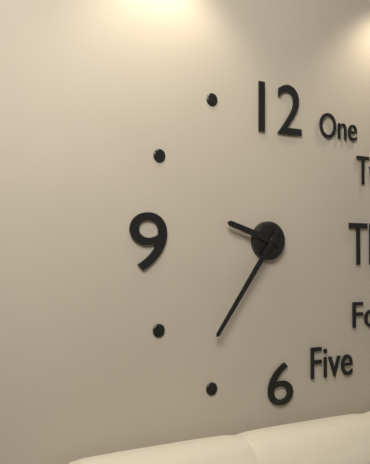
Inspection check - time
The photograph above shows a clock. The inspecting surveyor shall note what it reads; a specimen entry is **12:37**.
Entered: **9:36**
